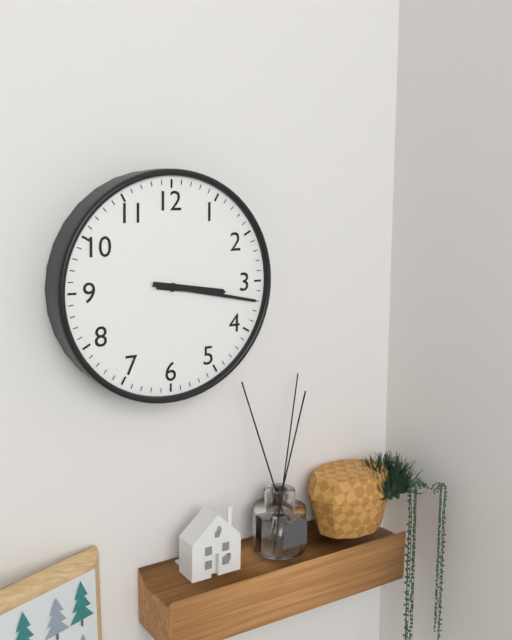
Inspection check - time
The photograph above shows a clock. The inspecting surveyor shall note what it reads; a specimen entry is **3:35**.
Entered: **3:17**
